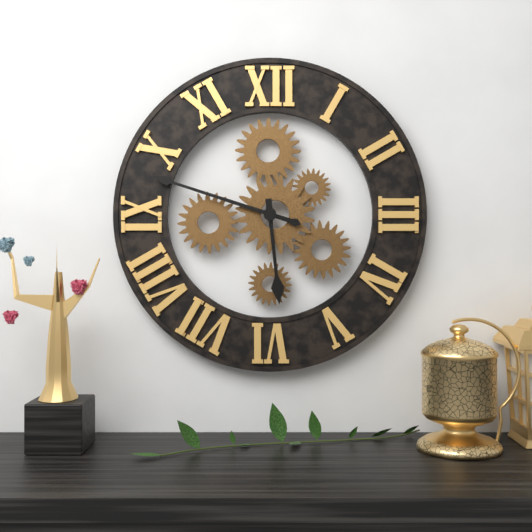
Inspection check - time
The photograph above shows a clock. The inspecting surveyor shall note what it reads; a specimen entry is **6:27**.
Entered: **5:48**
